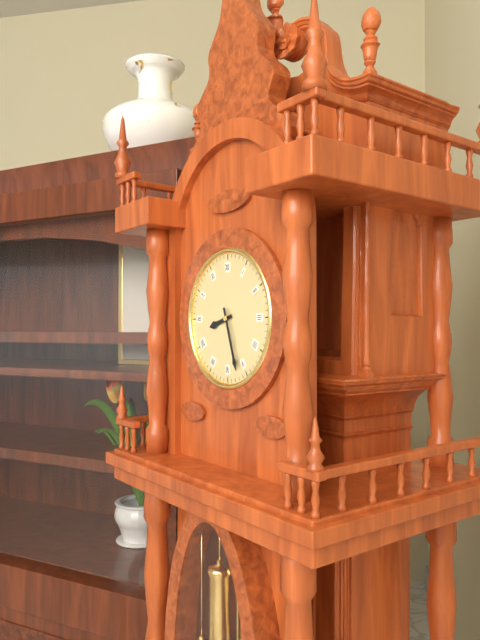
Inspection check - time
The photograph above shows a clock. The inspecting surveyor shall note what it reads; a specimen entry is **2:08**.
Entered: **8:27**
